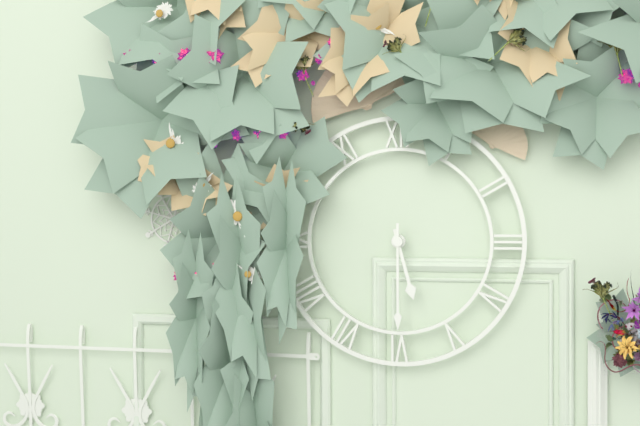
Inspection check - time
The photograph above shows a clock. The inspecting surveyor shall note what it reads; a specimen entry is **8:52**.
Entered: **5:30**
